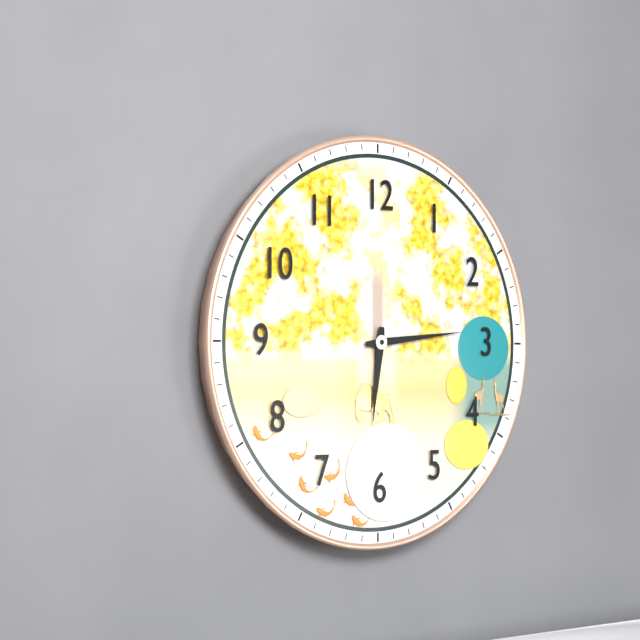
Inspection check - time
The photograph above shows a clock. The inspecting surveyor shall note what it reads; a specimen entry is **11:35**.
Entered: **6:14**
